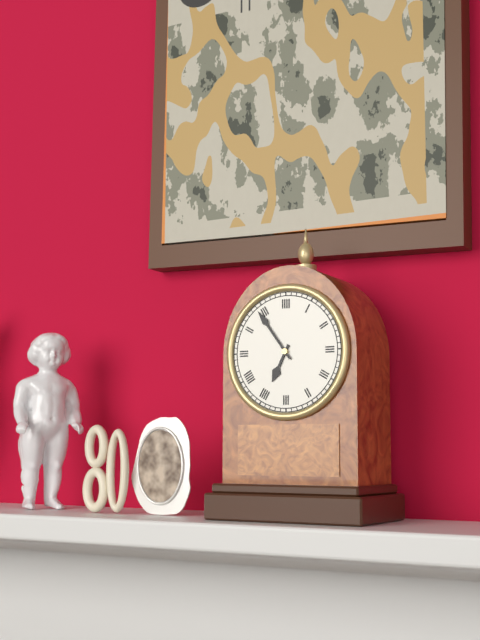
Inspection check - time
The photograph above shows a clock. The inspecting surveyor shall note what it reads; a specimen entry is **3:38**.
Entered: **6:54**
